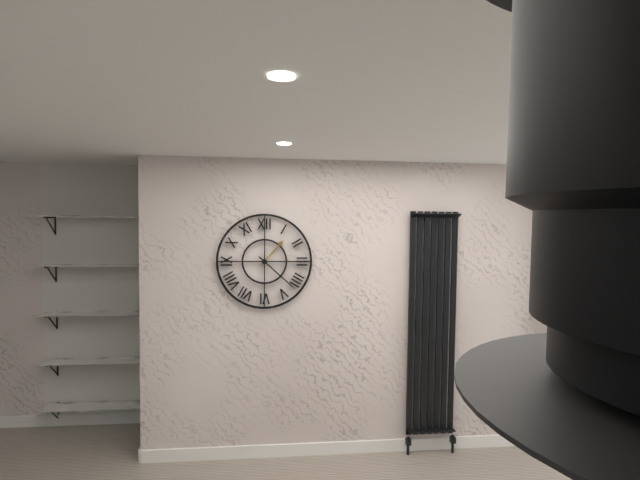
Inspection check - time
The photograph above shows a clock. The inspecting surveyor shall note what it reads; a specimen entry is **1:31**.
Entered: **1:22**
